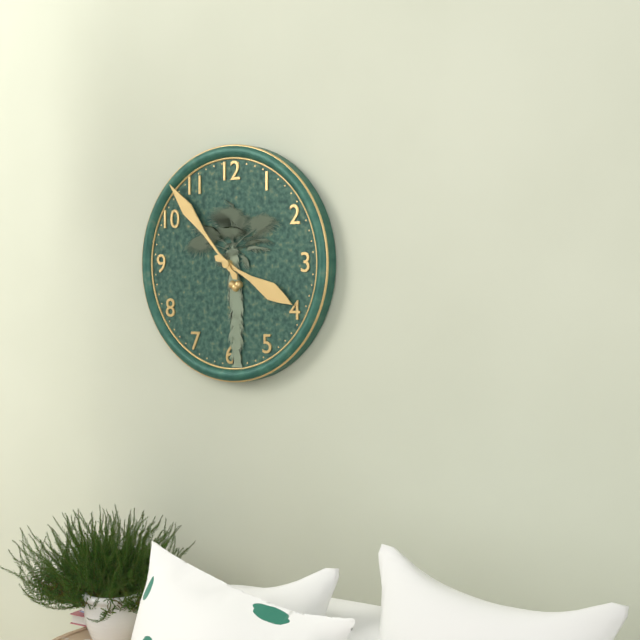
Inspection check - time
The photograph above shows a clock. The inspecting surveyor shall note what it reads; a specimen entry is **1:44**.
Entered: **3:53**
